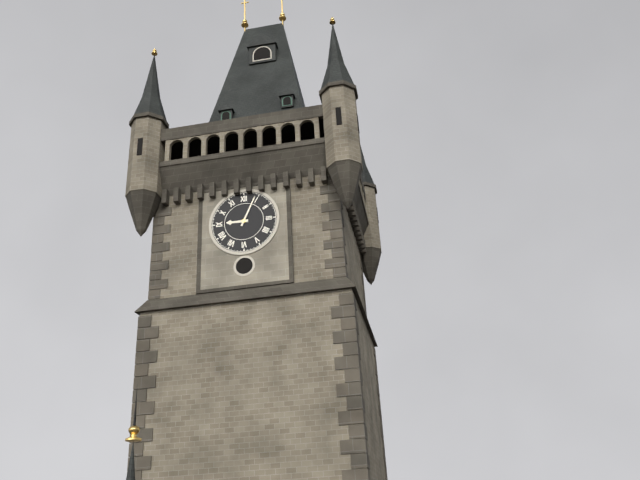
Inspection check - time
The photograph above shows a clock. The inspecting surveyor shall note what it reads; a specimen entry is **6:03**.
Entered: **9:04**
